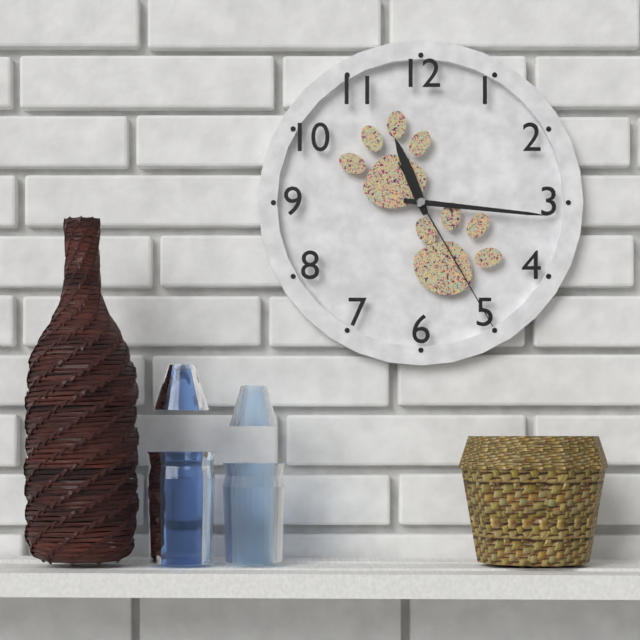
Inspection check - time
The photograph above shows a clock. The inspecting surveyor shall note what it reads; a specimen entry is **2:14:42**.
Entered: **11:16:25**
